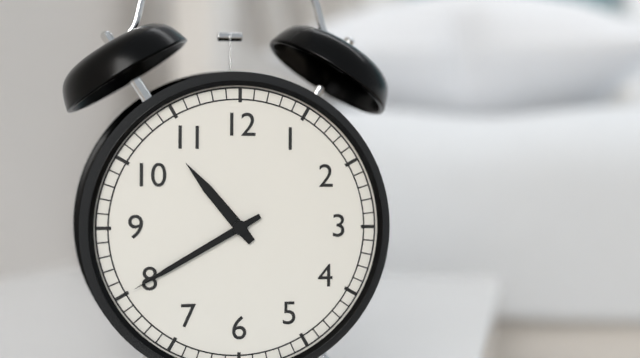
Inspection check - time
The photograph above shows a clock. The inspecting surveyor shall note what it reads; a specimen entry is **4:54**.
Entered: **10:40**
